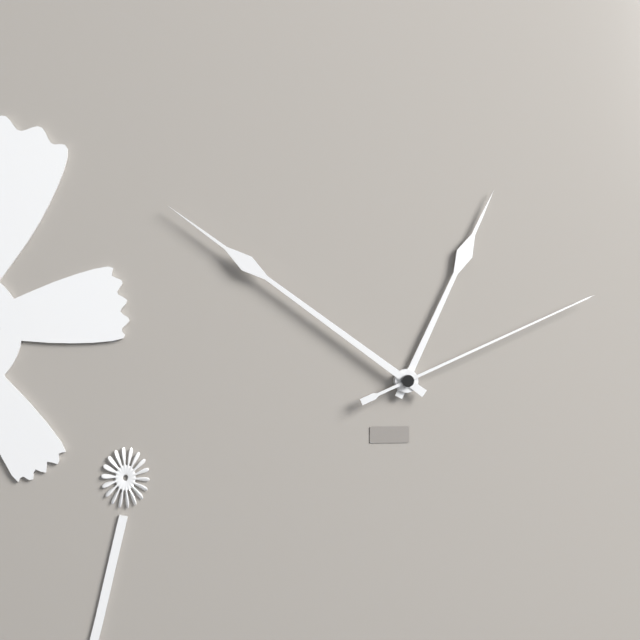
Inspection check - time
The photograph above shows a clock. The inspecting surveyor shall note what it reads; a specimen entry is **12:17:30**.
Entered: **12:51:11**
